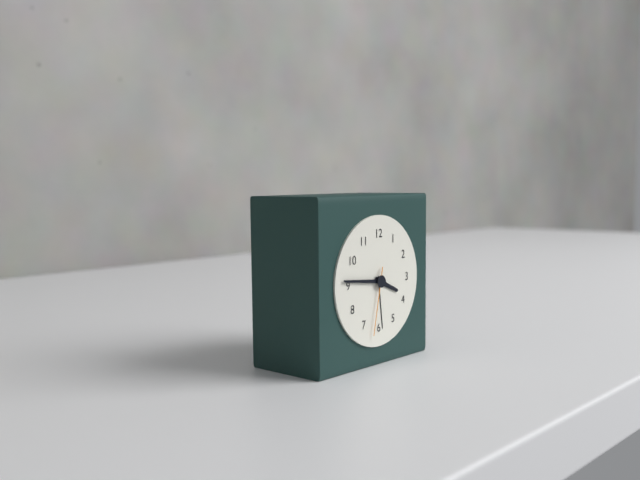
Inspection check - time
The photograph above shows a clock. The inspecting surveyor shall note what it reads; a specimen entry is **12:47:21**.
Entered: **3:46:32**
